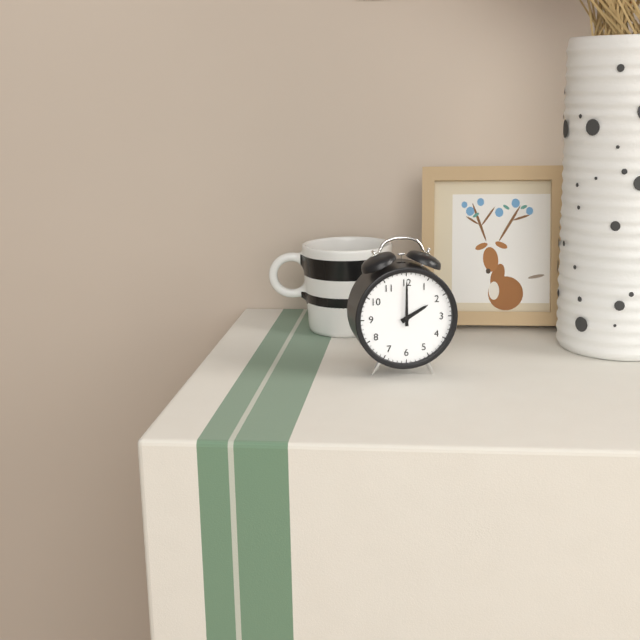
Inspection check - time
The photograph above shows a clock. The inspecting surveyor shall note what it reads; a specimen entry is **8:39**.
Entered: **2:00**
